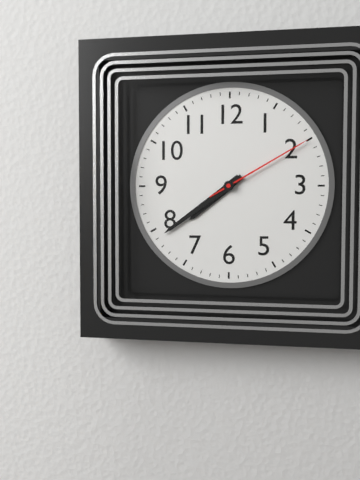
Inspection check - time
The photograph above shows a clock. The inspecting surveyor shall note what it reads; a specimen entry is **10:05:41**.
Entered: **7:39:10**
